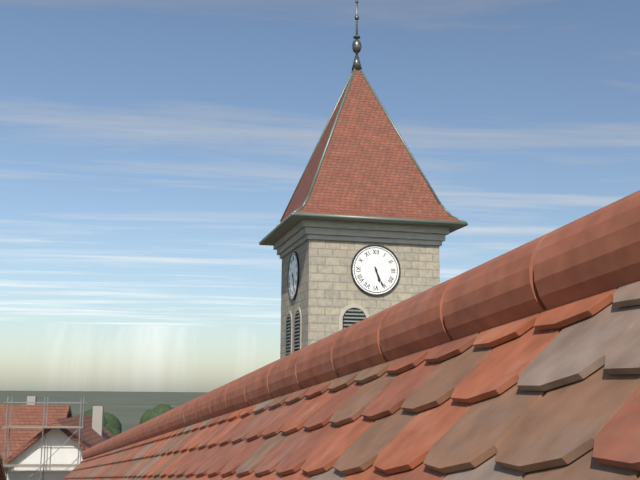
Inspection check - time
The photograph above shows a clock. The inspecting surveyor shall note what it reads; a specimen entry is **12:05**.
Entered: **5:26**
